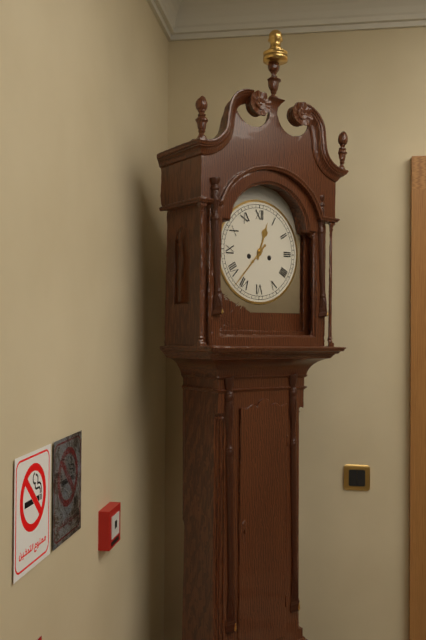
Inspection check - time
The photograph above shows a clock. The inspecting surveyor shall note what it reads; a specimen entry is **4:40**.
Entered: **12:37**
